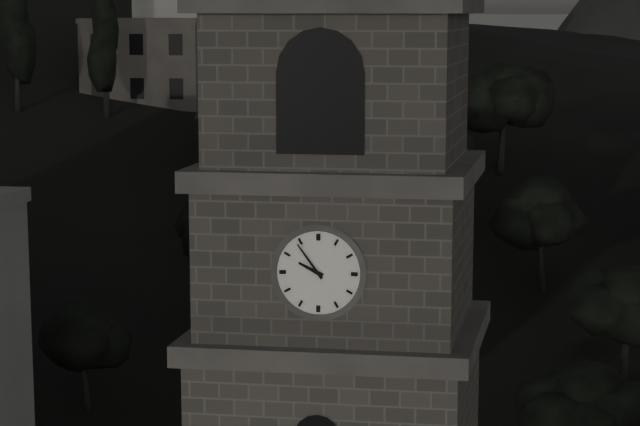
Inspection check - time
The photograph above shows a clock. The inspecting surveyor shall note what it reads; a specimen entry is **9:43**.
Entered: **9:54**
